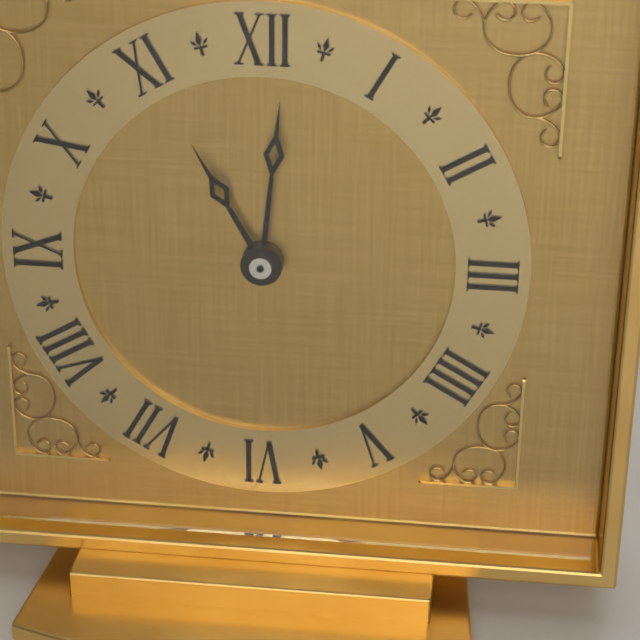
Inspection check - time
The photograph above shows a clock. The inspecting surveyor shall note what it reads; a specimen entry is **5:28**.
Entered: **11:01**
